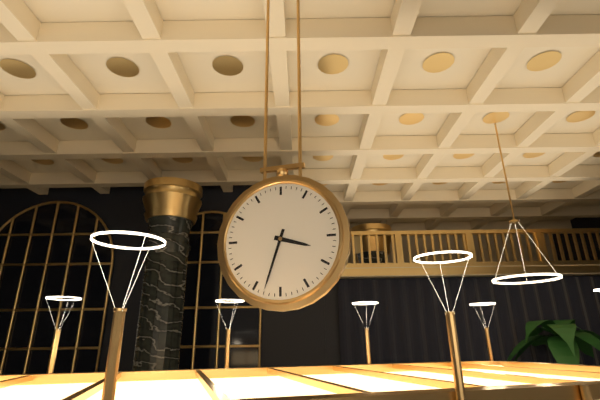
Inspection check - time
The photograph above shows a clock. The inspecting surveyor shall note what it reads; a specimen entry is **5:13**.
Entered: **3:33**
